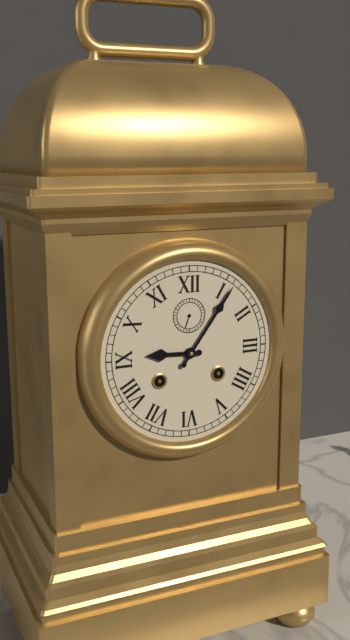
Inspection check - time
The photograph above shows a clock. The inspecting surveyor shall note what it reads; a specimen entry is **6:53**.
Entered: **9:06**
